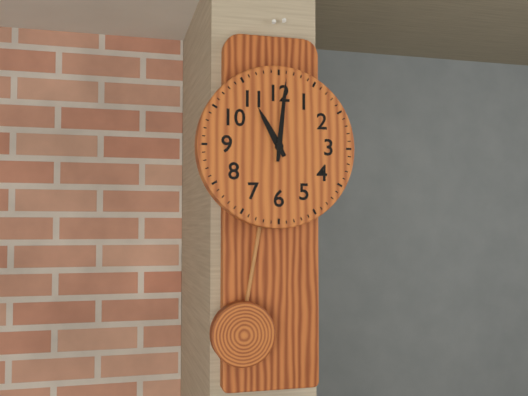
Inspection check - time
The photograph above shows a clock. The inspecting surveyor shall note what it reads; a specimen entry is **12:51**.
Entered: **11:01**
